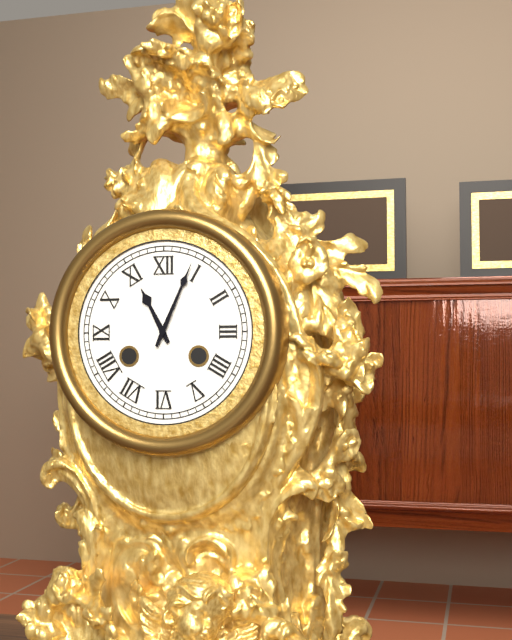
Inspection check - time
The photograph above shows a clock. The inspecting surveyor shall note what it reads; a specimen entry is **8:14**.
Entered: **11:04**
